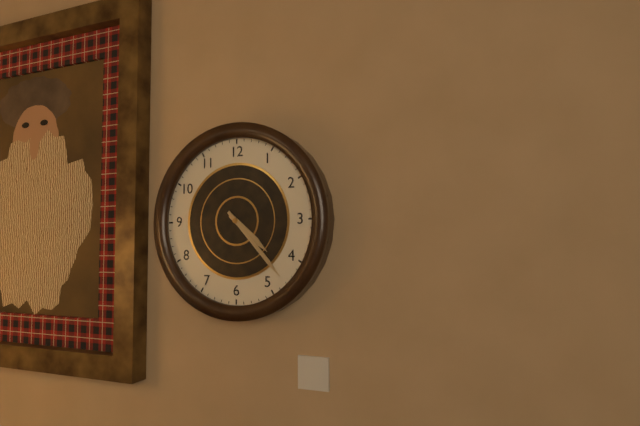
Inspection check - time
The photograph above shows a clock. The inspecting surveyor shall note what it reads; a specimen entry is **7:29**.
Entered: **4:23**
